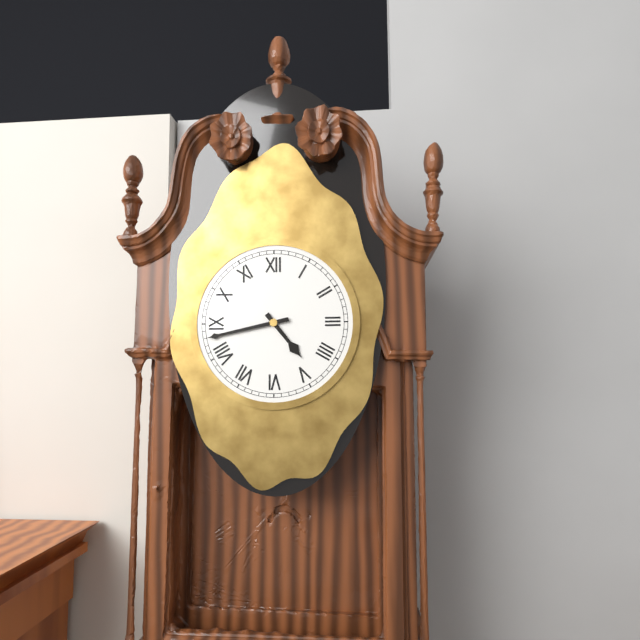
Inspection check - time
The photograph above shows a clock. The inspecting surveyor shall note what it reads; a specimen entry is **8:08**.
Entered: **4:43**
